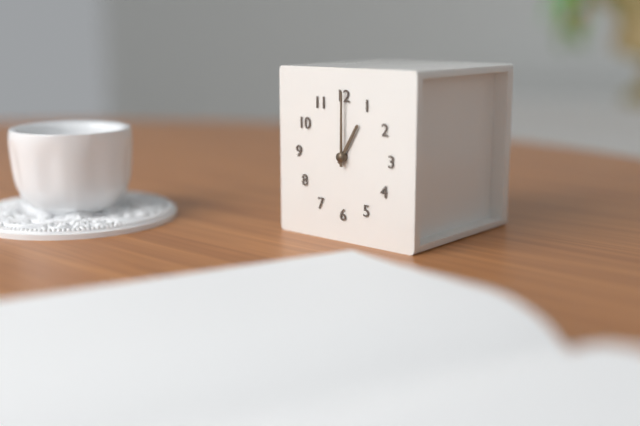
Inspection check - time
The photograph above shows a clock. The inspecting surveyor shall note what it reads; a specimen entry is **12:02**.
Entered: **1:00**
